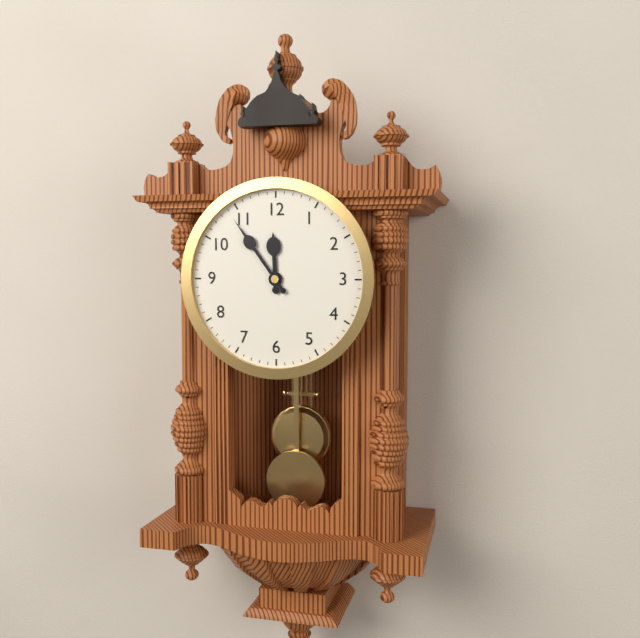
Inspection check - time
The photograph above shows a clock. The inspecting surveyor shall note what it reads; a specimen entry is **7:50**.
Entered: **11:54**
